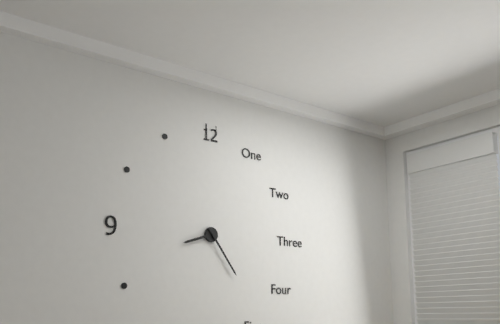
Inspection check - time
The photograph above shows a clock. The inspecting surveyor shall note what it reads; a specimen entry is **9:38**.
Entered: **8:24**
